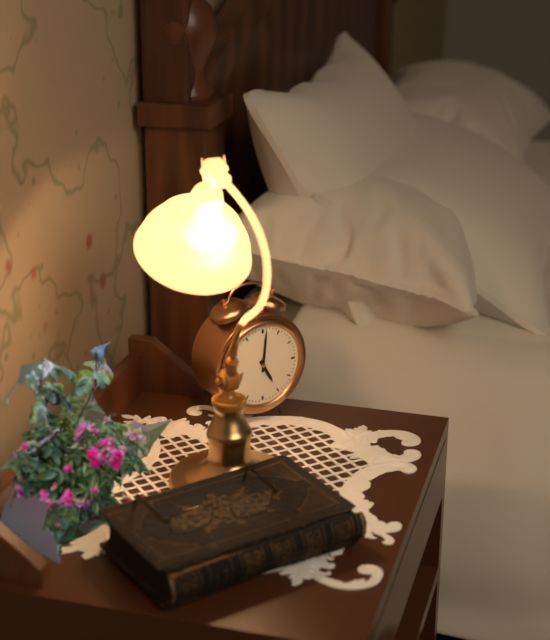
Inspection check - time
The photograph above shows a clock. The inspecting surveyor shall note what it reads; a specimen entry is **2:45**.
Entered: **5:01**
